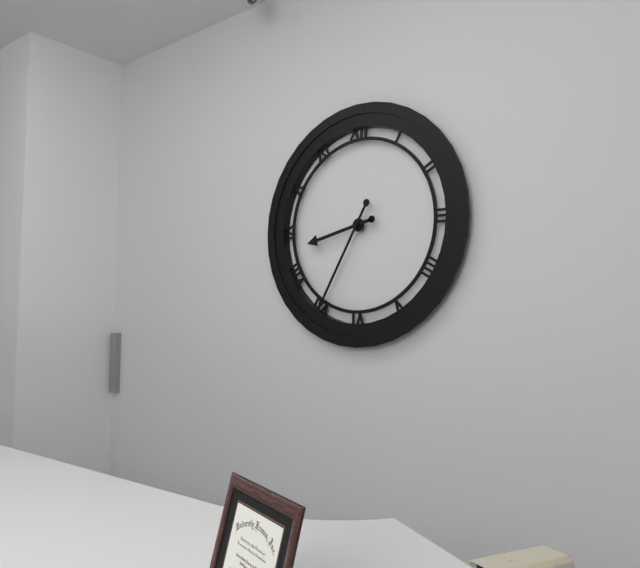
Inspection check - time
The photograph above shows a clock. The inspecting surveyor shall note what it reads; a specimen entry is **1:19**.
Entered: **8:35**
